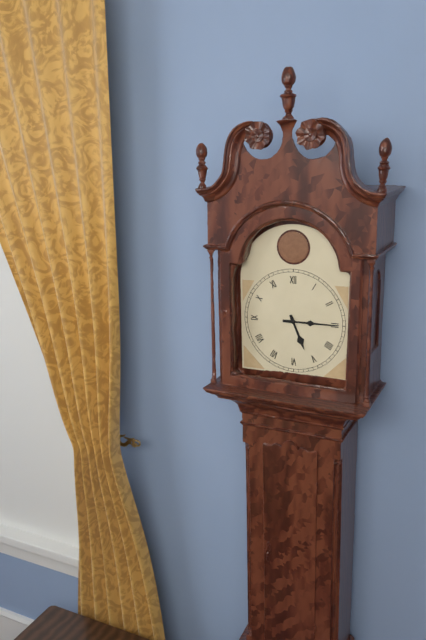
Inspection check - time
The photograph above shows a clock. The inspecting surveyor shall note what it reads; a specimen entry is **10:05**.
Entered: **5:15**
